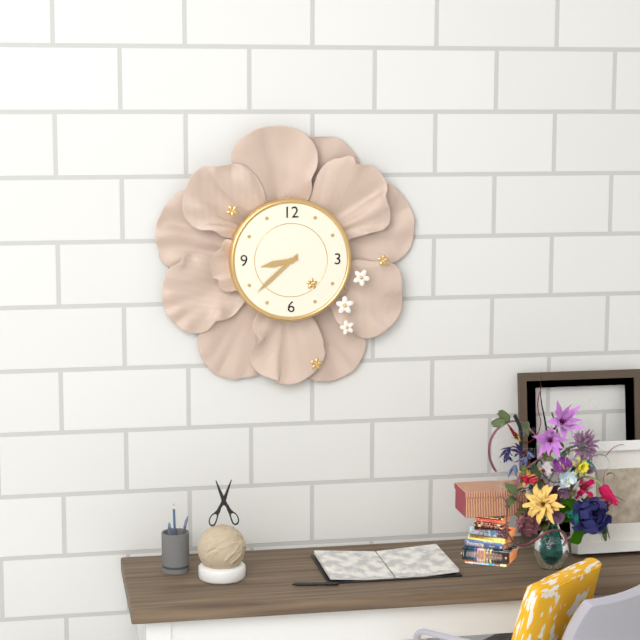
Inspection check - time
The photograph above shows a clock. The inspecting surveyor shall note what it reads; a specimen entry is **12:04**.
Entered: **8:38**
